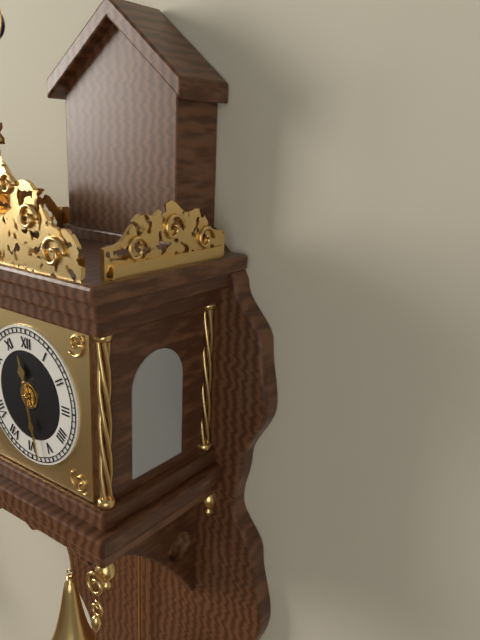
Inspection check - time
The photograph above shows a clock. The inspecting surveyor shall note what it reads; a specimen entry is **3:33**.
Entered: **11:28**
